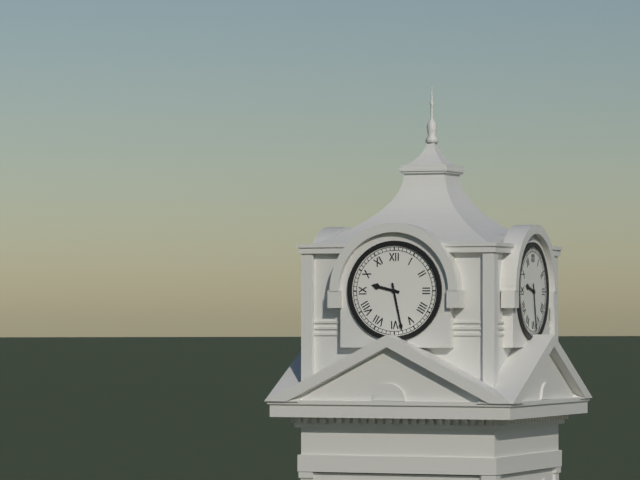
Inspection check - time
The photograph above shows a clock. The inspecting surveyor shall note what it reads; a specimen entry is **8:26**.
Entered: **9:28**
